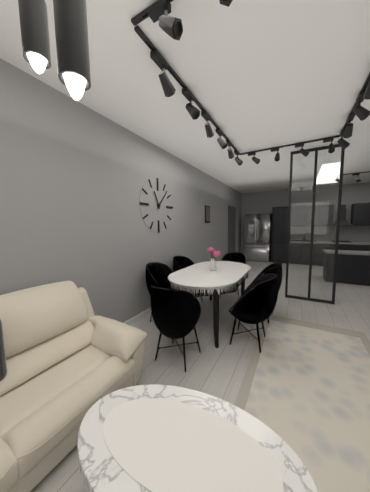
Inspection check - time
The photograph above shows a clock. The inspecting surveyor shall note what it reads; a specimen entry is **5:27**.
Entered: **11:07**
